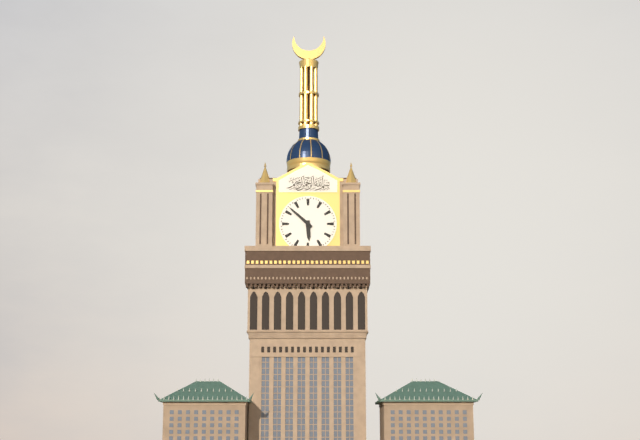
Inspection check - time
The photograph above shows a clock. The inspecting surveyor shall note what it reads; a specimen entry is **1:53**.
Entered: **5:52**
